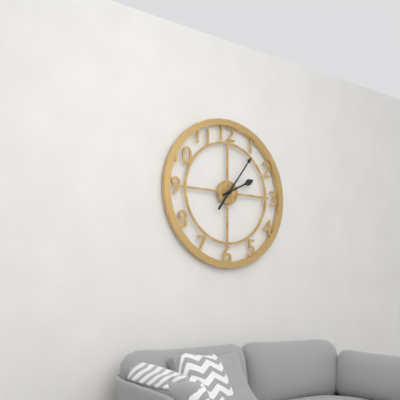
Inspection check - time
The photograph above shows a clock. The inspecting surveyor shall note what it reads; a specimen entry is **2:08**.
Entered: **2:06**
